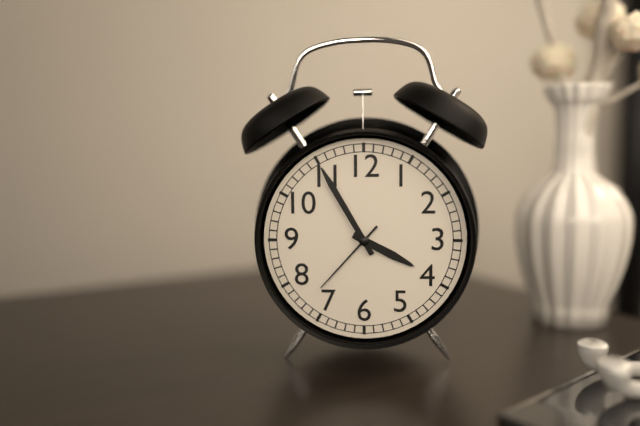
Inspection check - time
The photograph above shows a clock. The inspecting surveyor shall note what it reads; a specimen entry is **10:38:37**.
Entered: **3:55:37**
